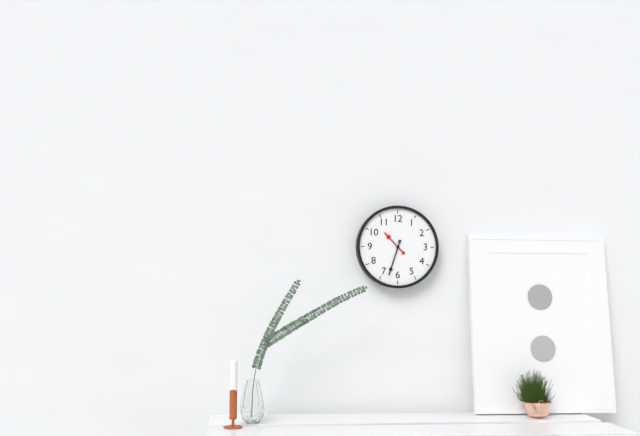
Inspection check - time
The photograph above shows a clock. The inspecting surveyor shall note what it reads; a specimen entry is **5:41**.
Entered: **10:33**
